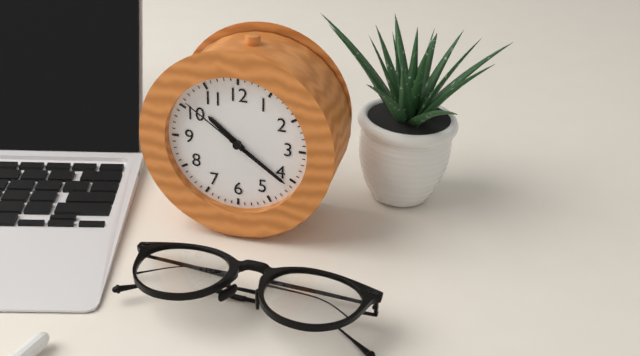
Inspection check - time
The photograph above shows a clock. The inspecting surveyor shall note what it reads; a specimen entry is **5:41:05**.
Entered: **10:21:51**
